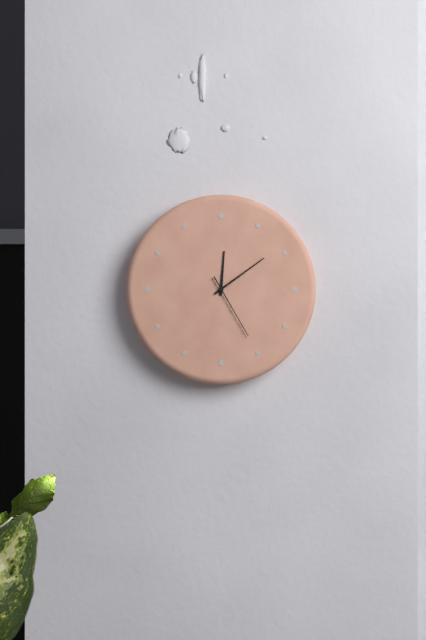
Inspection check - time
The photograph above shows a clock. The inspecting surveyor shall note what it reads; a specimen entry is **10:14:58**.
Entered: **12:09:25**
